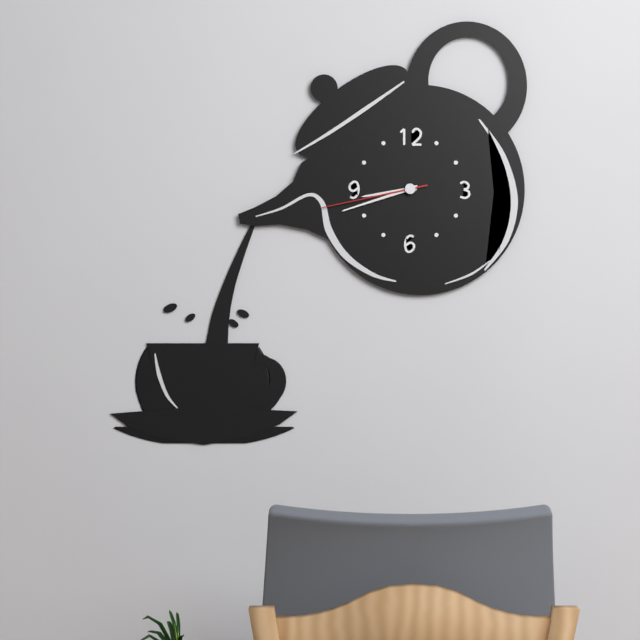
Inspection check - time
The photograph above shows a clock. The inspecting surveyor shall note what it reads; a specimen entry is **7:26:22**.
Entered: **8:42:43**
